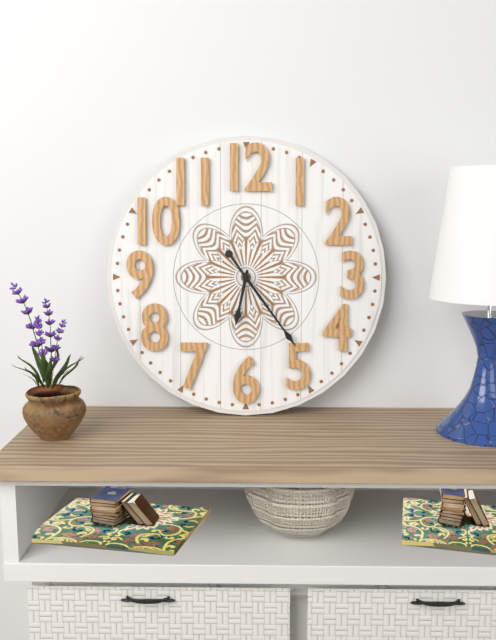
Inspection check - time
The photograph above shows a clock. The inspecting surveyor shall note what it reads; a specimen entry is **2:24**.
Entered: **6:24**
